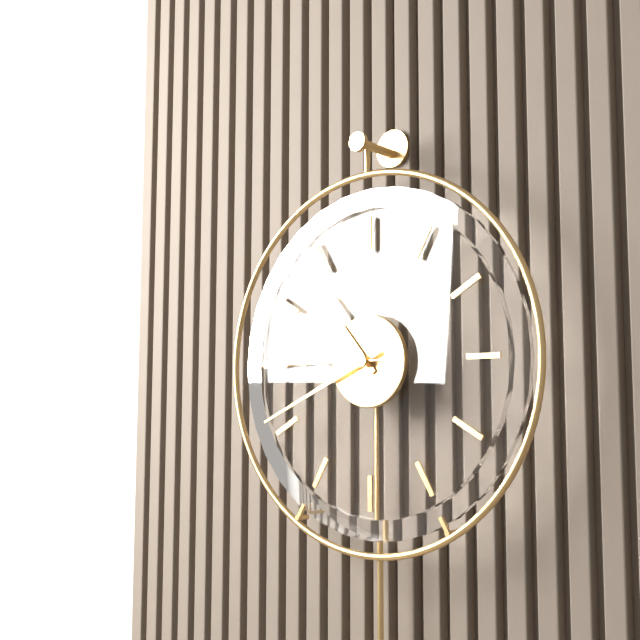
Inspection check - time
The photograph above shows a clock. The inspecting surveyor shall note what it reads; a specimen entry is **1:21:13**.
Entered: **10:41:45**
